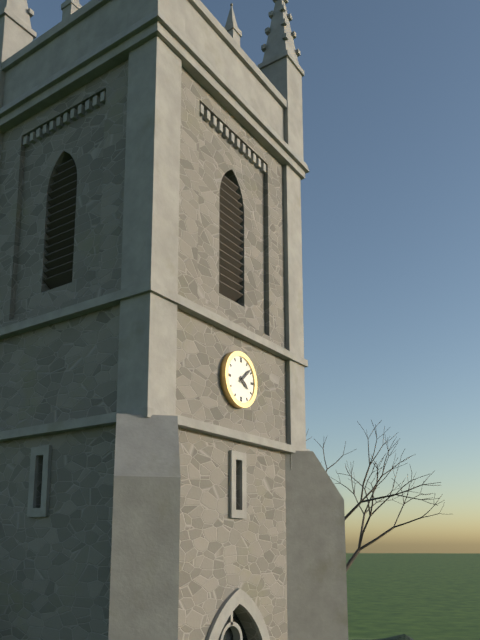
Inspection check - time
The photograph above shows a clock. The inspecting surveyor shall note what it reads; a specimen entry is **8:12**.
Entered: **4:08**
